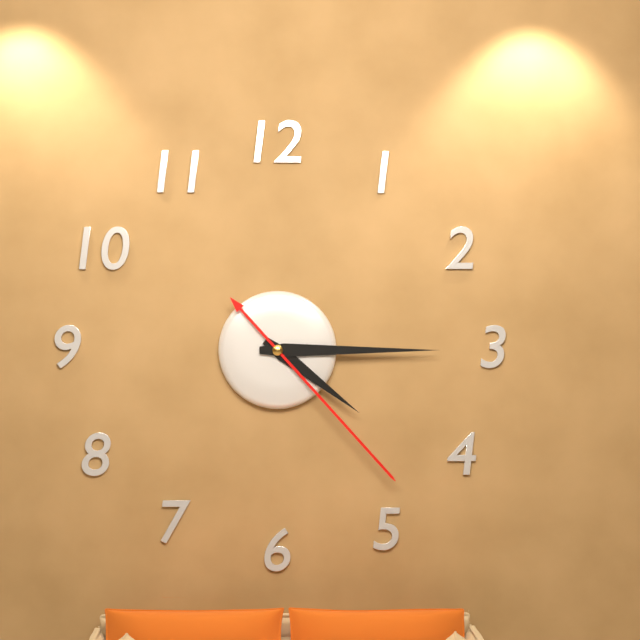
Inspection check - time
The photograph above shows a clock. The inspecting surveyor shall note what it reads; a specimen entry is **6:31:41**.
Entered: **4:15:23**
